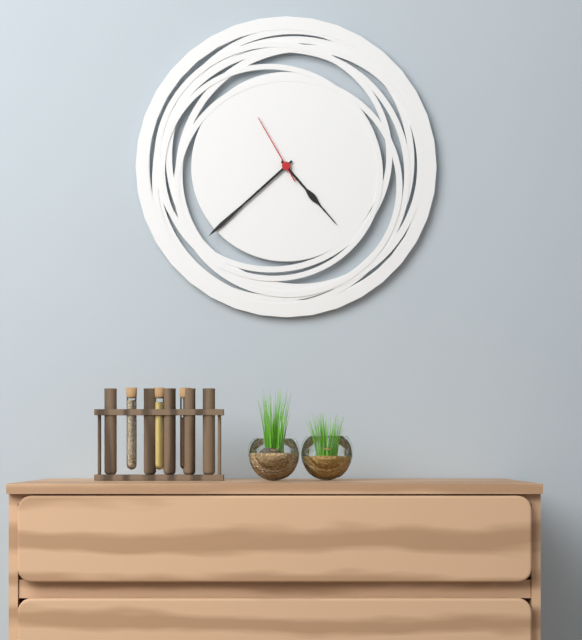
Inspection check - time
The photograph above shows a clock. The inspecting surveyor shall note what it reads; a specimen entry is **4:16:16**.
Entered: **4:38:55**
